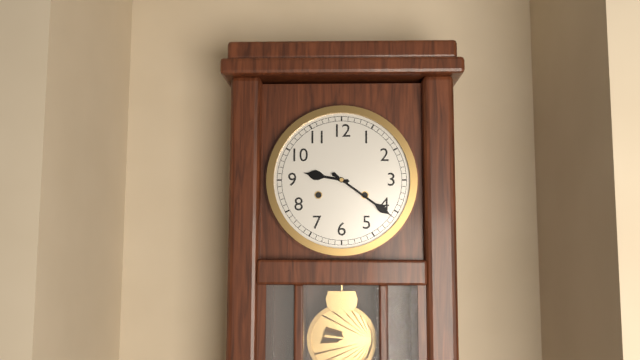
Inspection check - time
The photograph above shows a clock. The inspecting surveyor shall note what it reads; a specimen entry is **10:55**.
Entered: **9:21**
